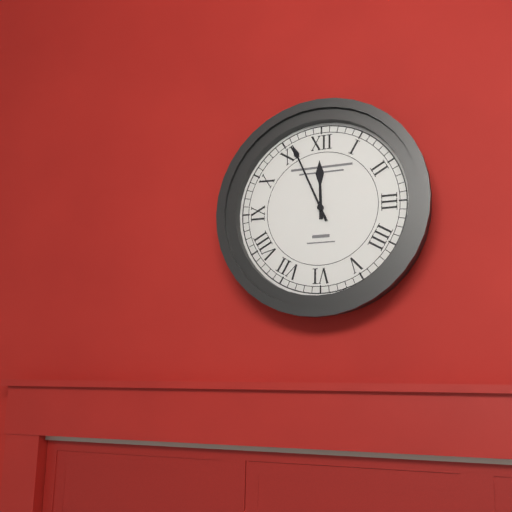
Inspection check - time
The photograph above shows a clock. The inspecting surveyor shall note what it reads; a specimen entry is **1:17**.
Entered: **11:56**
